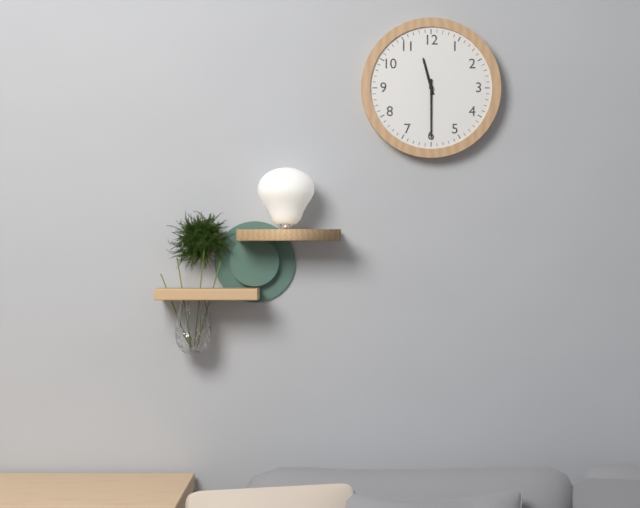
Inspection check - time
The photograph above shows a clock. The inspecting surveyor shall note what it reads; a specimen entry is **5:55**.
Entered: **11:30**
